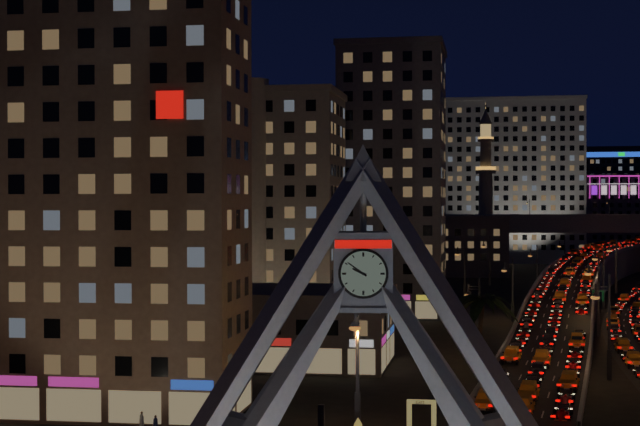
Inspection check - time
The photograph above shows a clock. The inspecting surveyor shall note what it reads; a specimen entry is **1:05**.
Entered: **9:51**
